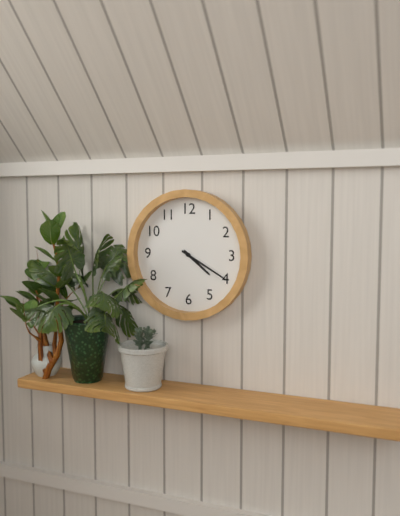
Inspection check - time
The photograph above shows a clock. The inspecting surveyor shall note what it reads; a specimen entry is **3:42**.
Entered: **4:20**
